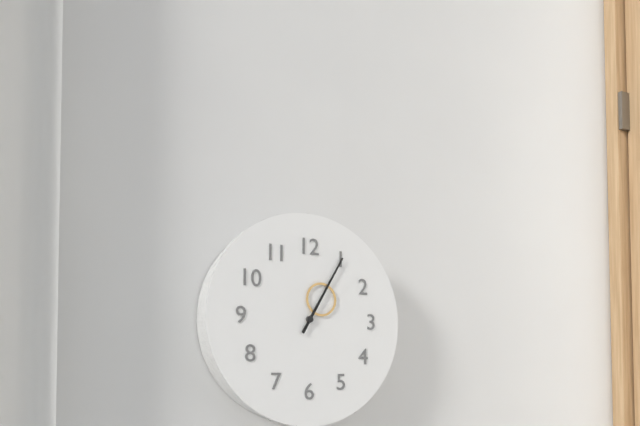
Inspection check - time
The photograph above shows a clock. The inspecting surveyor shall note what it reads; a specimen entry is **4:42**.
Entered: **1:05**
